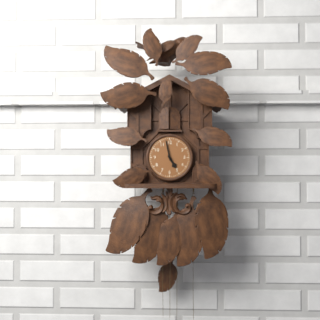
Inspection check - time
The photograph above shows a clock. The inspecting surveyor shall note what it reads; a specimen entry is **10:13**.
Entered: **4:58**
